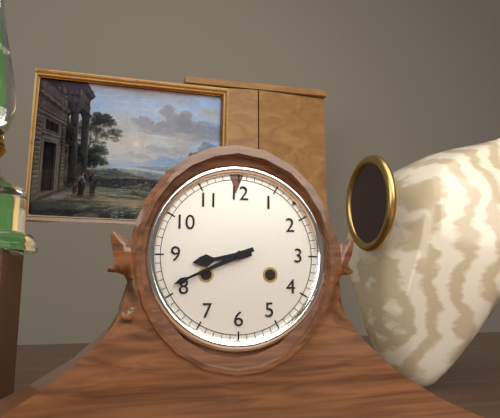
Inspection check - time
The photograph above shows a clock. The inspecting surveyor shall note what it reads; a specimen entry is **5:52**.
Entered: **8:41**
